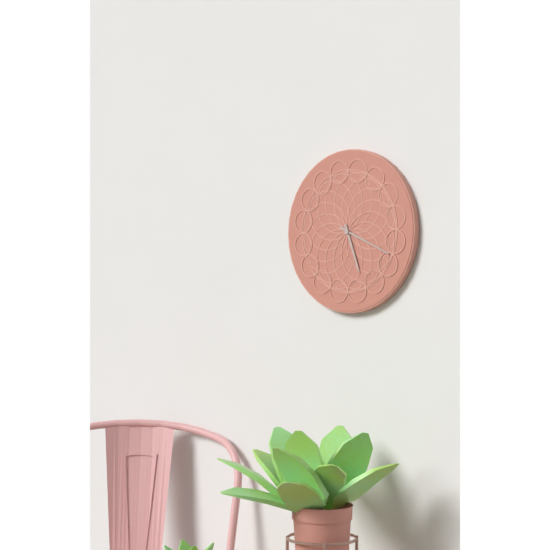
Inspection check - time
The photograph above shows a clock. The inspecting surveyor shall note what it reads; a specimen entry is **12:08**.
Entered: **5:19**
